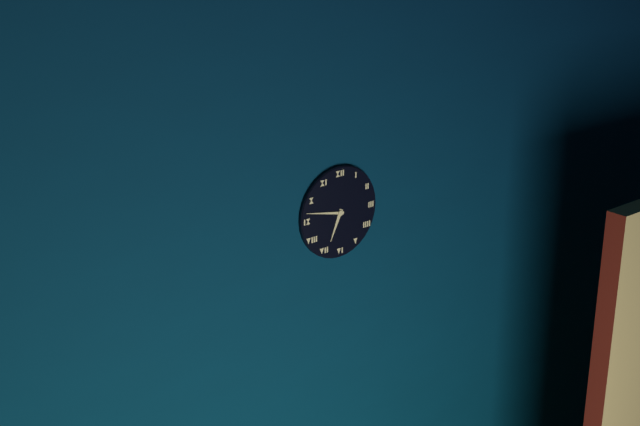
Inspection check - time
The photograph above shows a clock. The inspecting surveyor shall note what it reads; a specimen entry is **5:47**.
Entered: **6:47**
